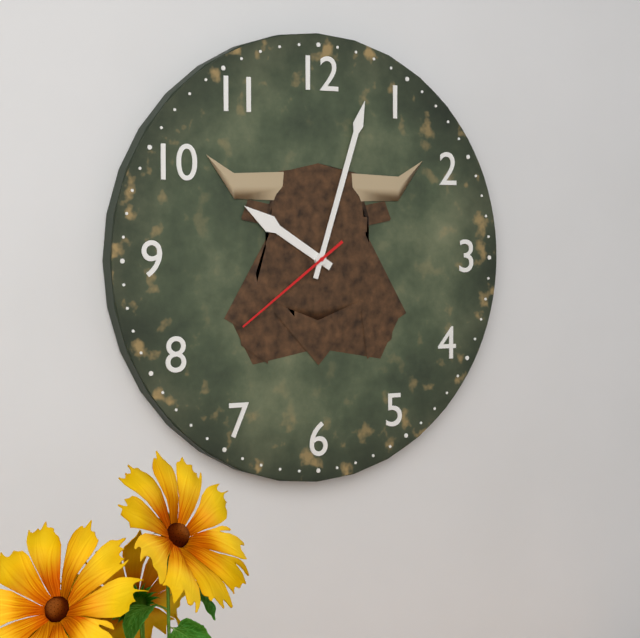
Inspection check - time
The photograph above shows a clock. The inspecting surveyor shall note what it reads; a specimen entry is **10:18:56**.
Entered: **10:03:39**
